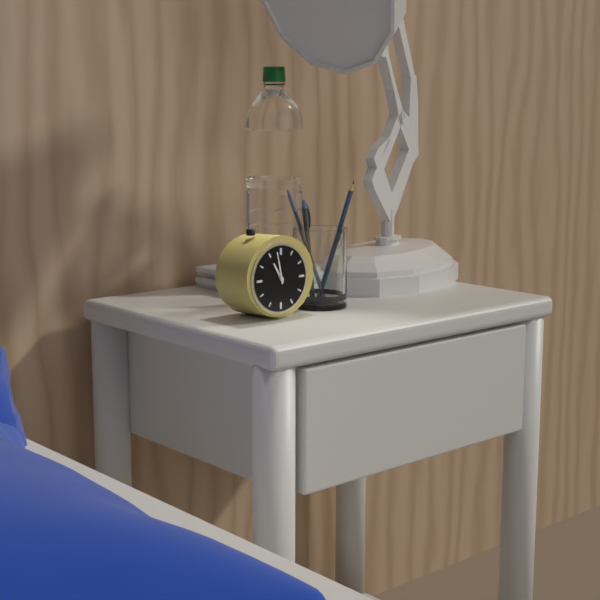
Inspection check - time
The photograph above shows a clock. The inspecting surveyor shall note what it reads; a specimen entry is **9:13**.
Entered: **10:58**
